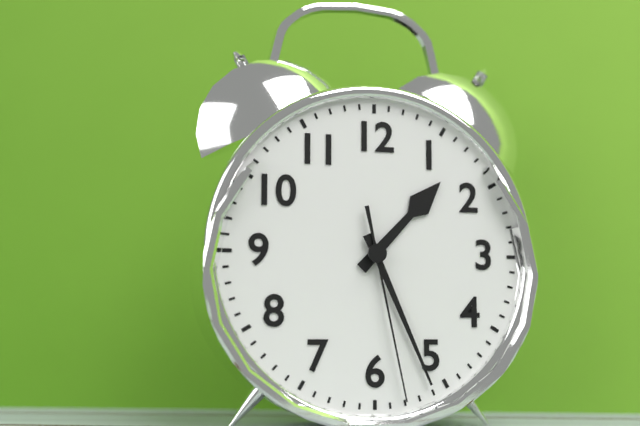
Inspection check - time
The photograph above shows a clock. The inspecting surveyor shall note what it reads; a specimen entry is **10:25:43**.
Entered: **1:26:28**
